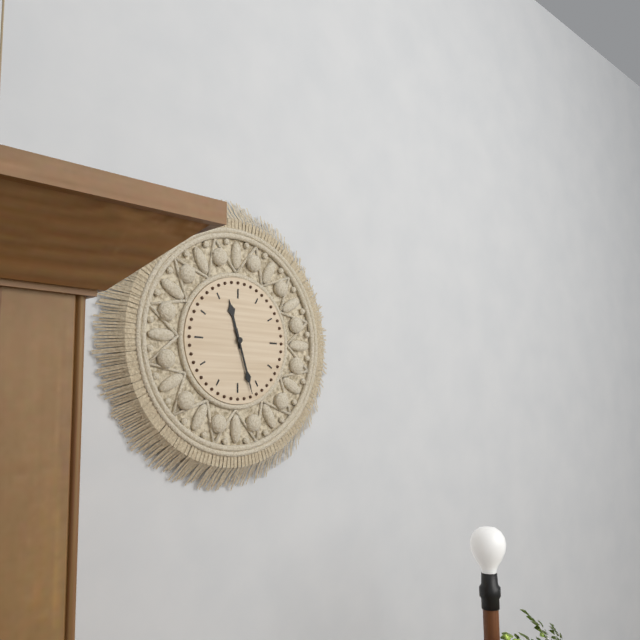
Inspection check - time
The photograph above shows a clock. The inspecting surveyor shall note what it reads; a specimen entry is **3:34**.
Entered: **11:27**
